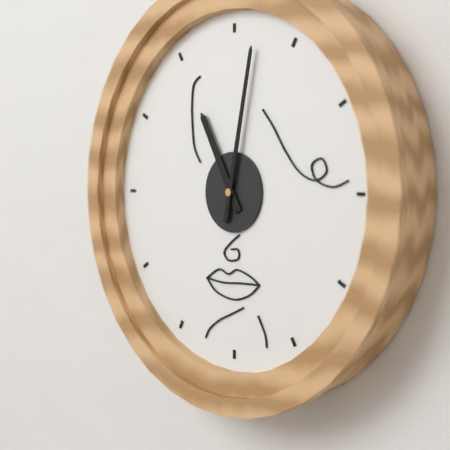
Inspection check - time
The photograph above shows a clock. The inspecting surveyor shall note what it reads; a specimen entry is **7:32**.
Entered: **11:02**
